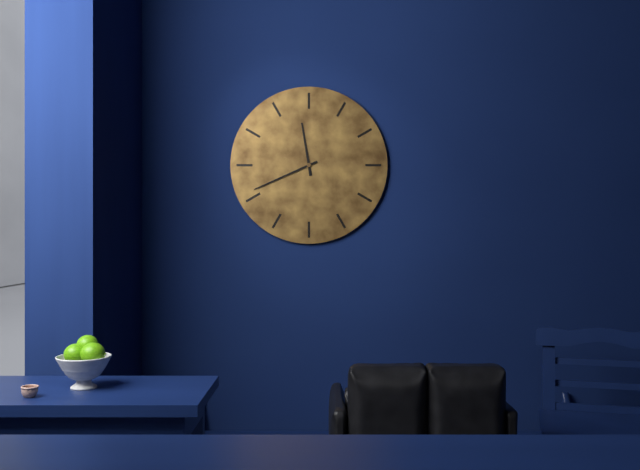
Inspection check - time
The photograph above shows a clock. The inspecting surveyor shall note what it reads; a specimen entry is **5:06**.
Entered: **11:41**
